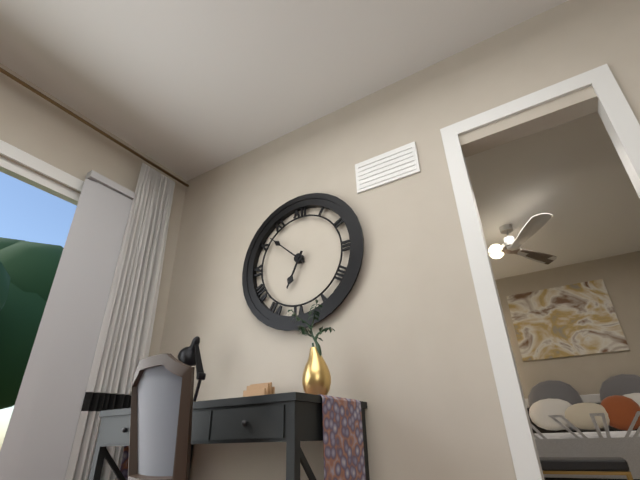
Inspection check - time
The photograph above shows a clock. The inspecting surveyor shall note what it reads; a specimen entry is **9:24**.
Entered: **6:52**
